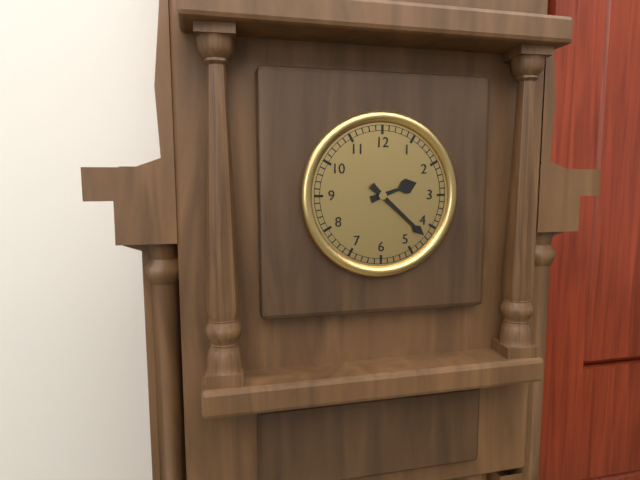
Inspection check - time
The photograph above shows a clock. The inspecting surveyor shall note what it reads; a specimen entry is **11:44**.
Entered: **2:22**
